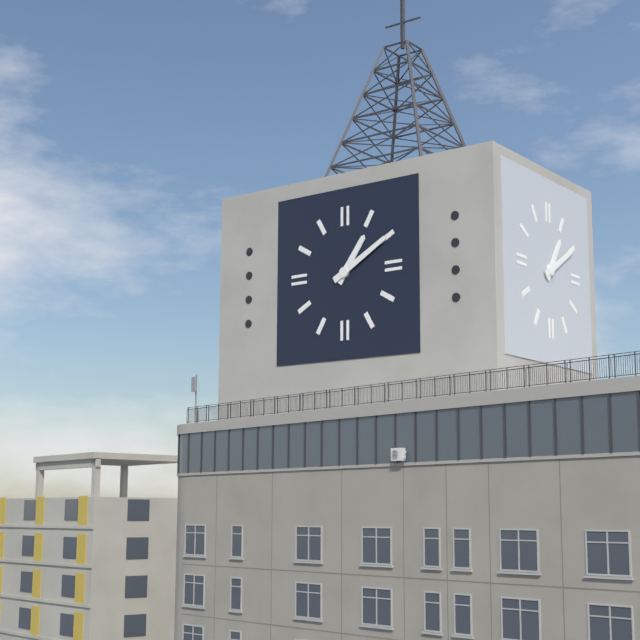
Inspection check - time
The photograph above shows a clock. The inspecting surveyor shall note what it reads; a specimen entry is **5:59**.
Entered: **1:10**
